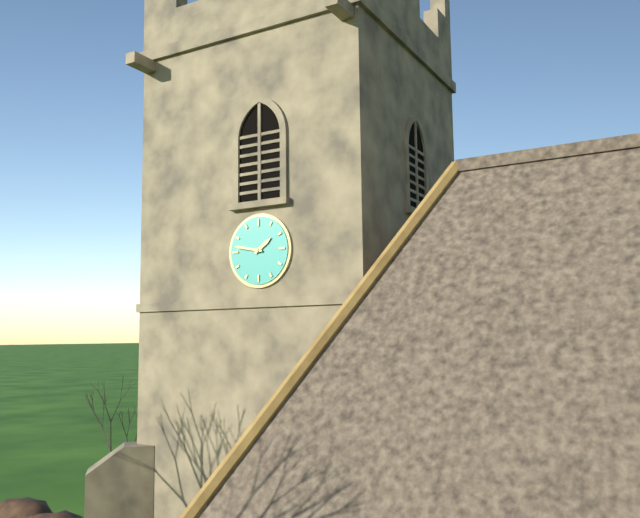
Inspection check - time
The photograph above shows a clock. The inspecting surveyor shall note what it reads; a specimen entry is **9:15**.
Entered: **1:47**
